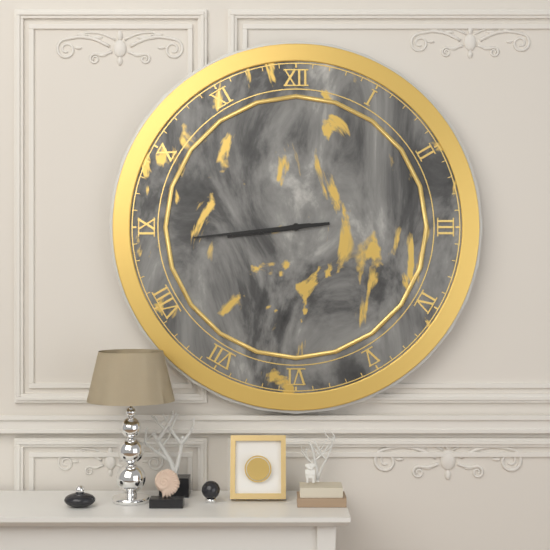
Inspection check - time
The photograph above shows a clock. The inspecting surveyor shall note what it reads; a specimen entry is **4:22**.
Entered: **8:44**
